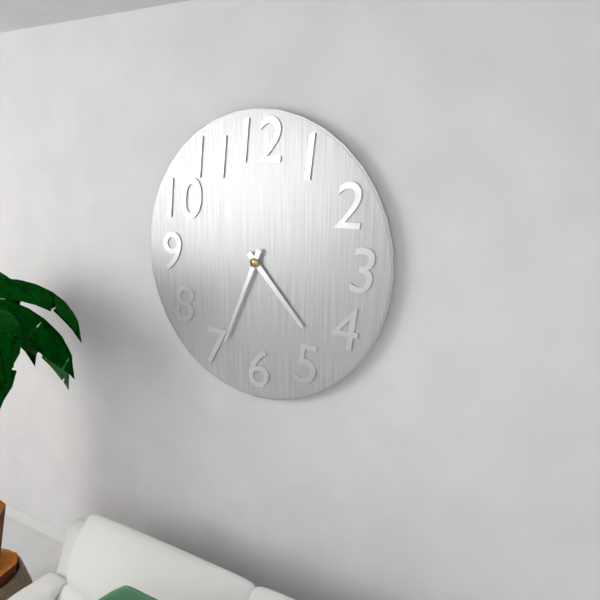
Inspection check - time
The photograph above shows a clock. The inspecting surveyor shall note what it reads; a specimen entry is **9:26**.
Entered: **4:34**
